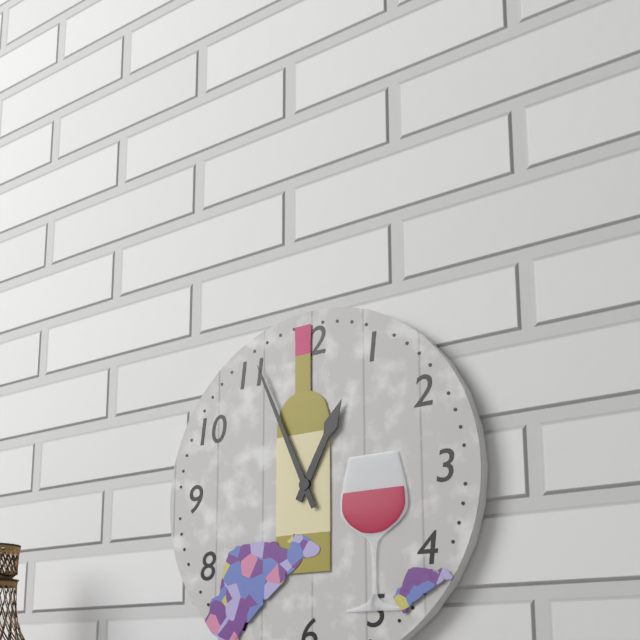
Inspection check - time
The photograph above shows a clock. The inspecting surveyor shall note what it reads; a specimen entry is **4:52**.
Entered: **12:56**
